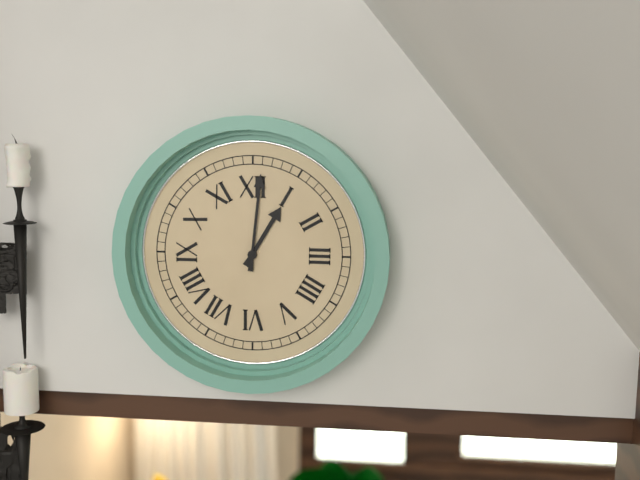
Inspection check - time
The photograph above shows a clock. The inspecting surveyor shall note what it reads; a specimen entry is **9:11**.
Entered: **1:01**
